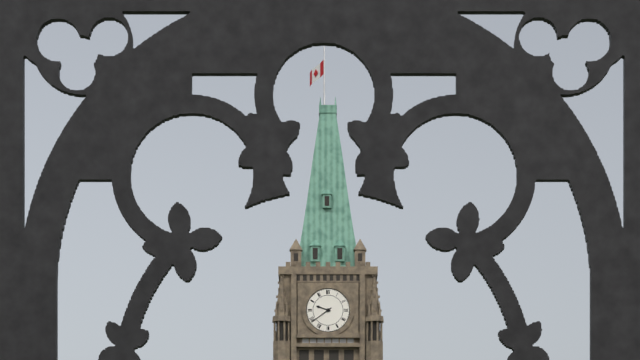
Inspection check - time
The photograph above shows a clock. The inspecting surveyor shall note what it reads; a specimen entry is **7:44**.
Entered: **9:39**
